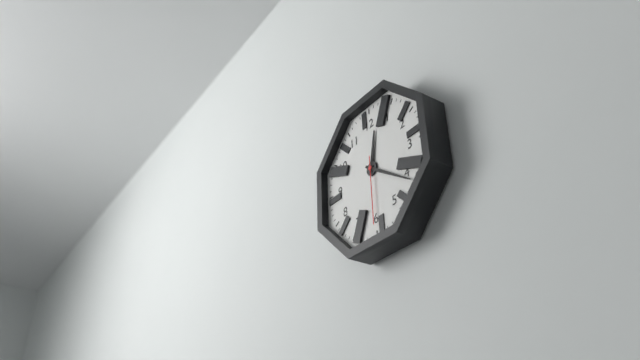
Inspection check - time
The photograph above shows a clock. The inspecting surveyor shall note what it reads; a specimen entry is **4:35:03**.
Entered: **12:21:30**
